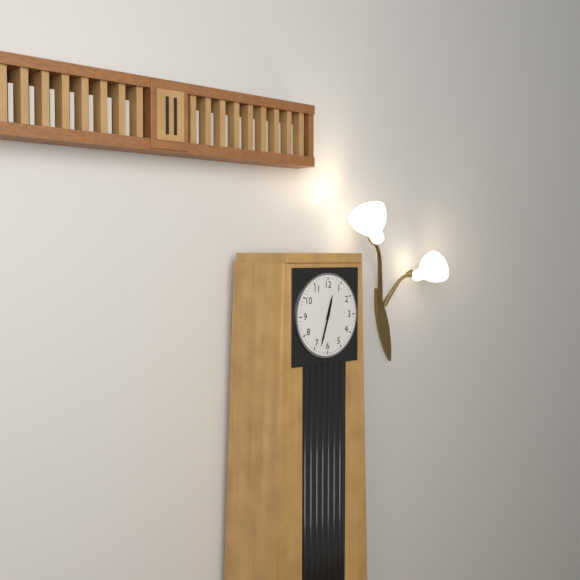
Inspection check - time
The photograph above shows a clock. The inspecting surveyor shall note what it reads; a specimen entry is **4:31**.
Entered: **12:33**
